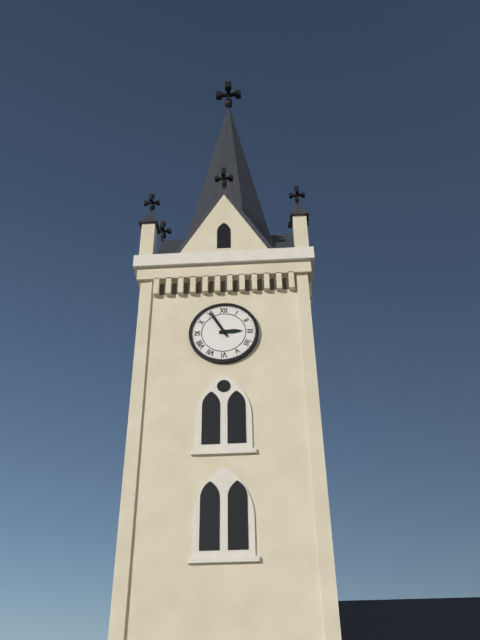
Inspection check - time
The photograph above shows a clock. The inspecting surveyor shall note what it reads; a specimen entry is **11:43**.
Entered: **2:55**
